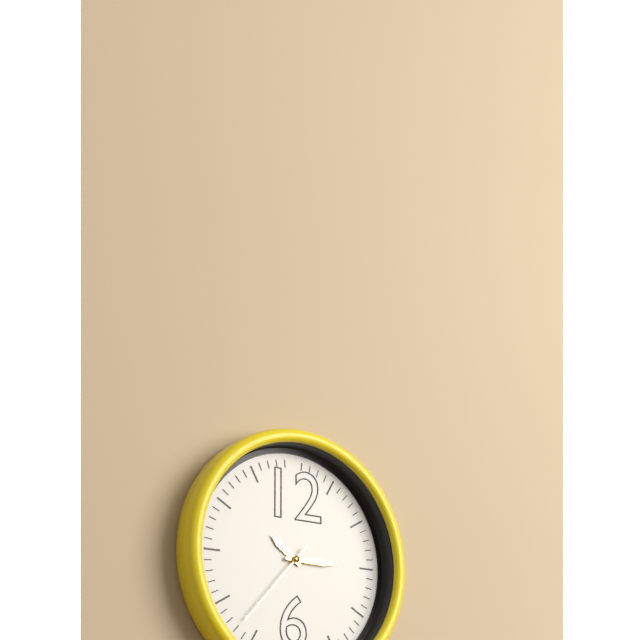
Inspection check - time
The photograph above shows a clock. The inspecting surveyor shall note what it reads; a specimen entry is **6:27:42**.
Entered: **10:15:37**
